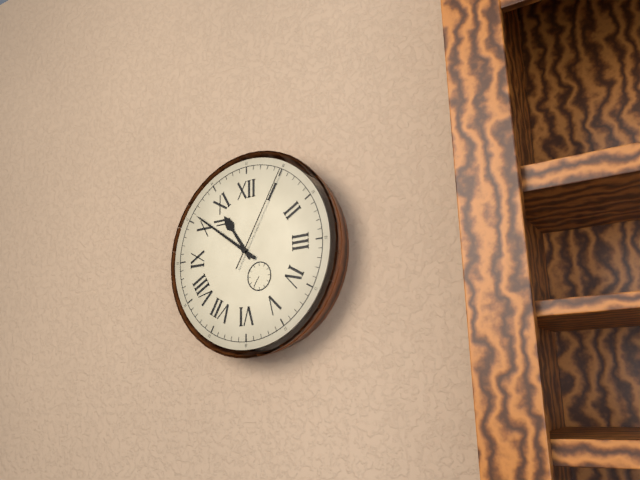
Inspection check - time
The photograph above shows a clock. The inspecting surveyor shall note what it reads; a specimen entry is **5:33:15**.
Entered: **10:51:05**
